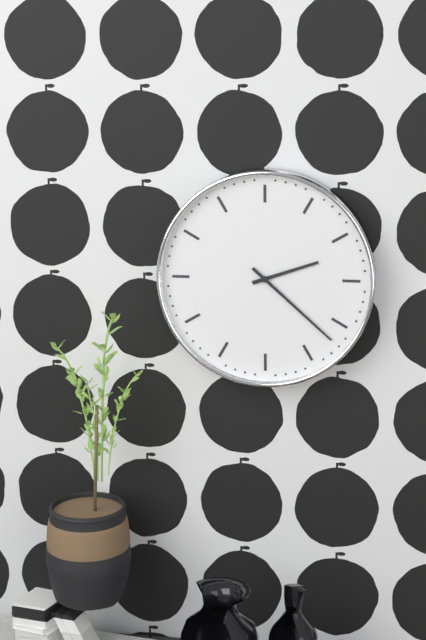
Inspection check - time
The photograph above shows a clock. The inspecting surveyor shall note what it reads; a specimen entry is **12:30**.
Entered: **2:22**
